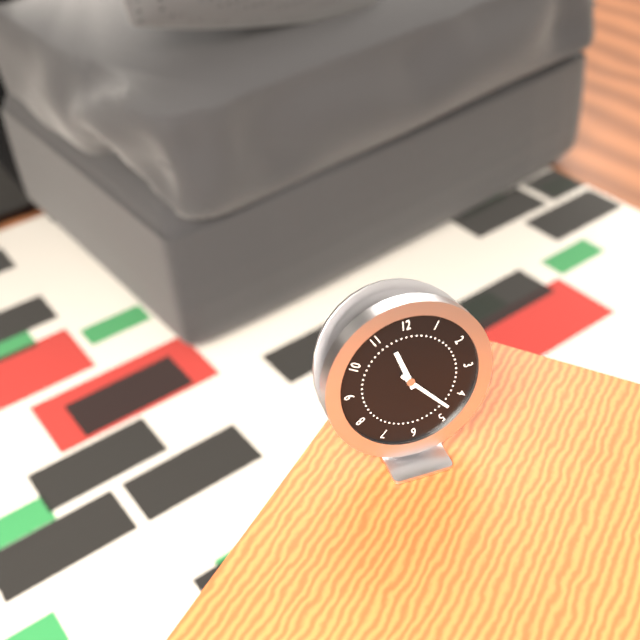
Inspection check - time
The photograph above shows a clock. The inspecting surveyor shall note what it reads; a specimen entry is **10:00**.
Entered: **11:23**
